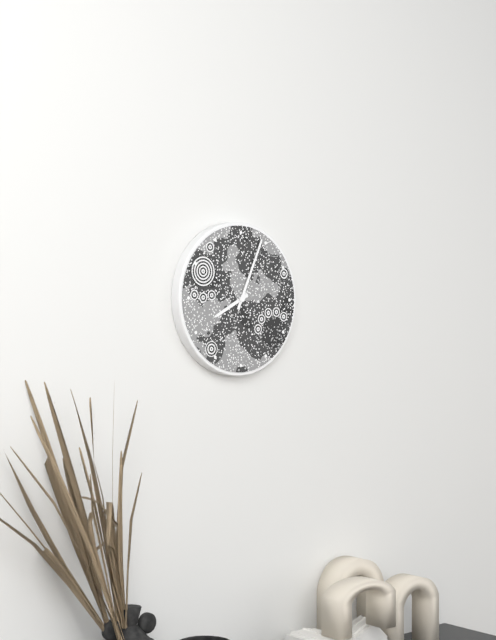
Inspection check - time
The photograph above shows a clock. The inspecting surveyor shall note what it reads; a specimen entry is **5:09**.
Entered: **8:04**
